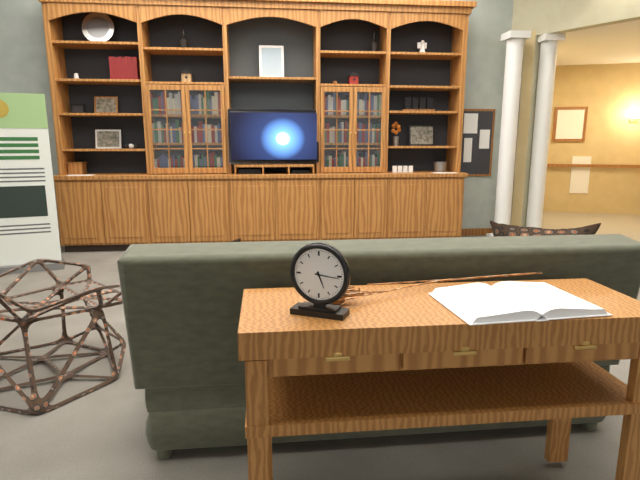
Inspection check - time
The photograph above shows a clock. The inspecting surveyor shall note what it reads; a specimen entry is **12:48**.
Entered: **5:16**
